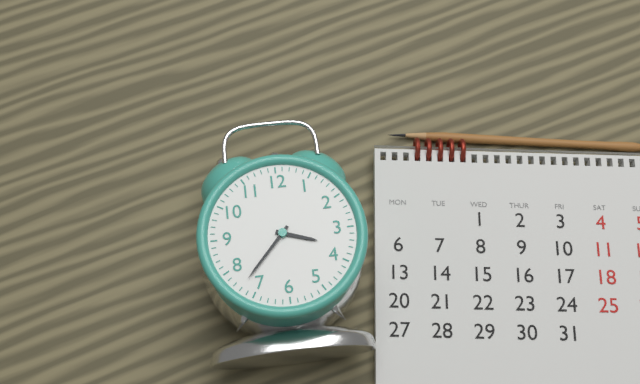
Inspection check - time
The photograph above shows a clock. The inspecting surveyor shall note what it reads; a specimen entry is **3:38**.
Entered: **3:37**
